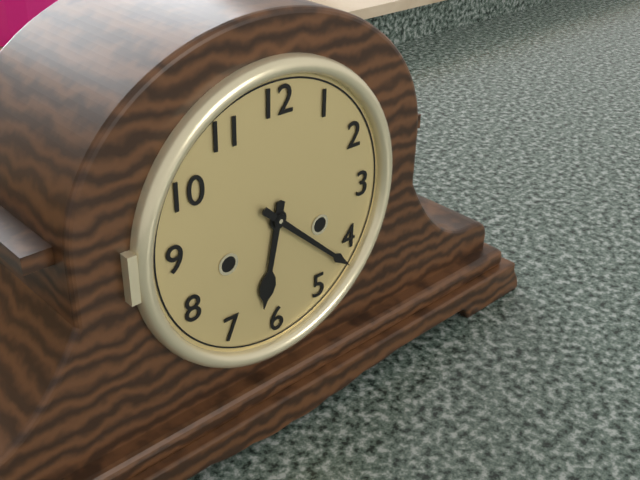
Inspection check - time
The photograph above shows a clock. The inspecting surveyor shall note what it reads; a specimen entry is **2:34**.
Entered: **6:22**
